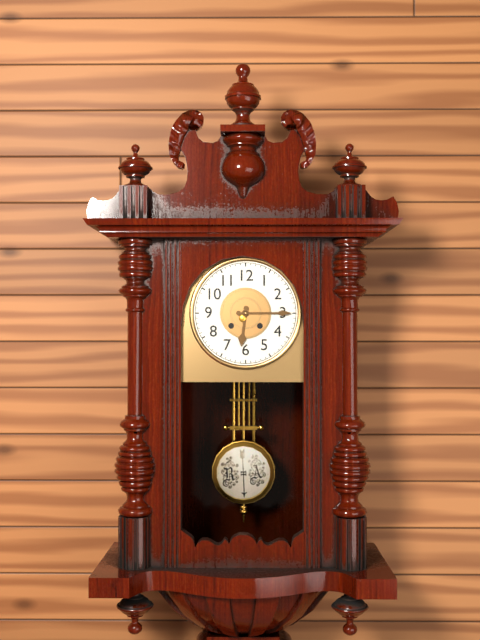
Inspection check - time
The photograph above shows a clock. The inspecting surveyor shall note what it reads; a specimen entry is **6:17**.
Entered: **6:15**
